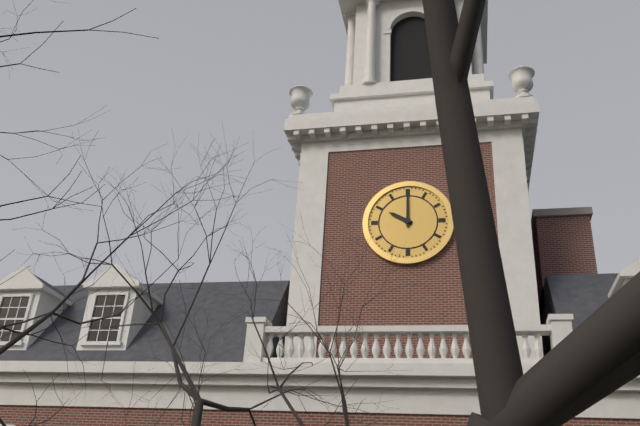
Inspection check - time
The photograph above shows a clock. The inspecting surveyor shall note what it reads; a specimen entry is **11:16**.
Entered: **10:00**
